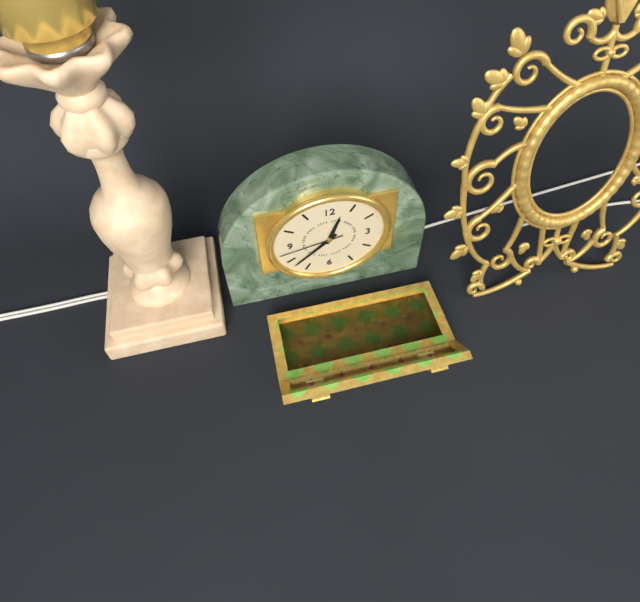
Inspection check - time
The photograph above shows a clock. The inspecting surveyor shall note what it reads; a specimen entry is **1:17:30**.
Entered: **12:38:43**
